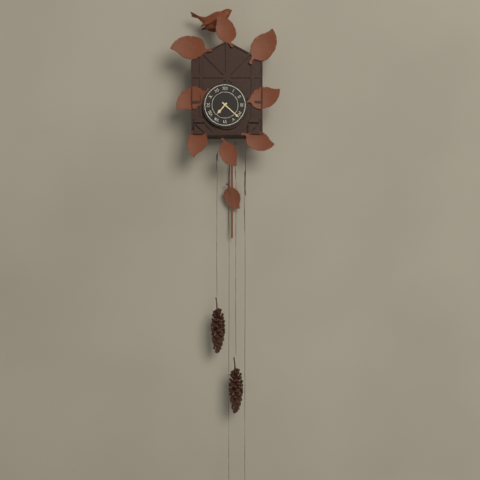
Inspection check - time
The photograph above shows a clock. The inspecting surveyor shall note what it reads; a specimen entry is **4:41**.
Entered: **7:22**
